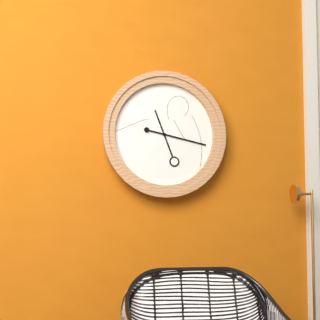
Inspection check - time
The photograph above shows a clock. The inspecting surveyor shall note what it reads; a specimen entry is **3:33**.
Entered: **11:17**
